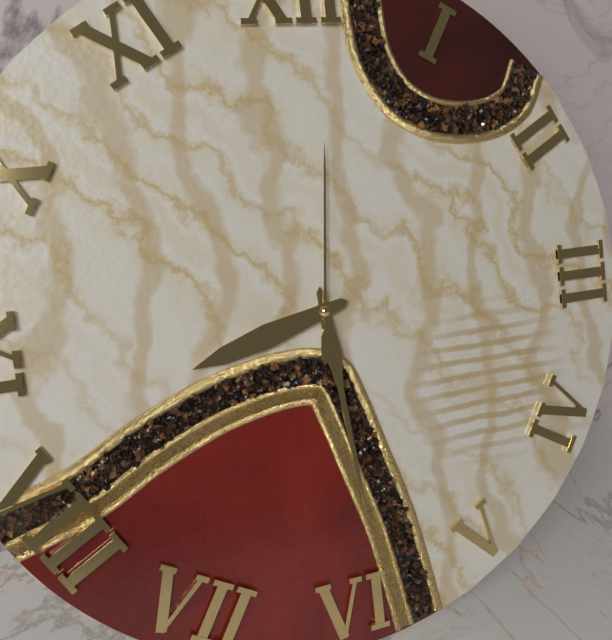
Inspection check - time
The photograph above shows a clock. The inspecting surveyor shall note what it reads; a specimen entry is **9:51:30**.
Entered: **8:29:01**
